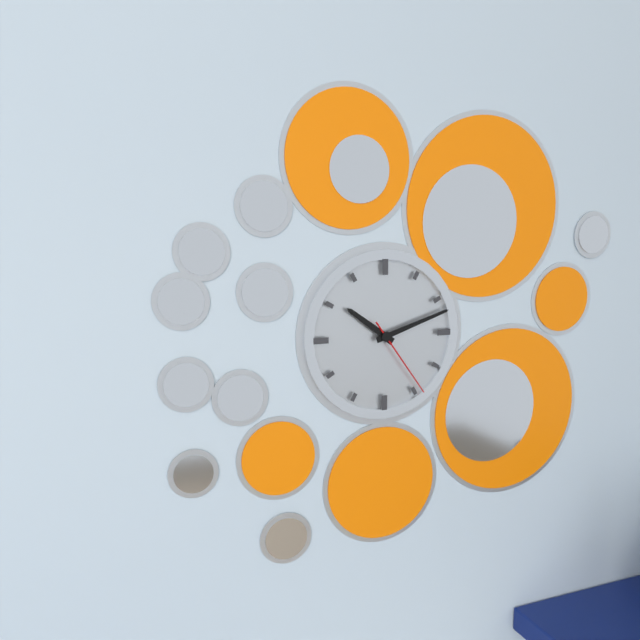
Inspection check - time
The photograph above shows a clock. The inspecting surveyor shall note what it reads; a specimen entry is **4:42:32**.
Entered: **10:12:24**
